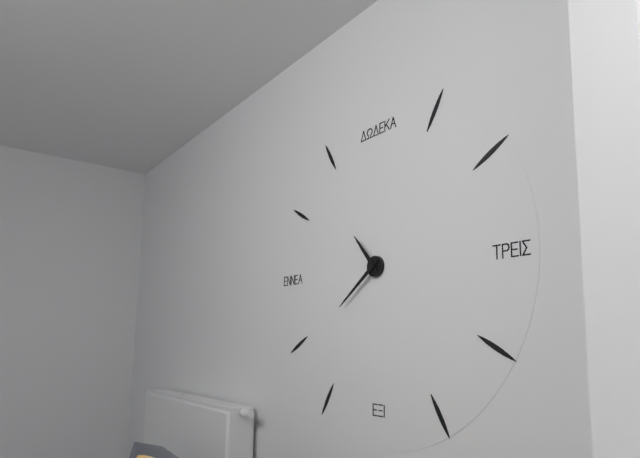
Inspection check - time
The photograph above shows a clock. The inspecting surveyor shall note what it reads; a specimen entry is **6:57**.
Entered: **10:39**
